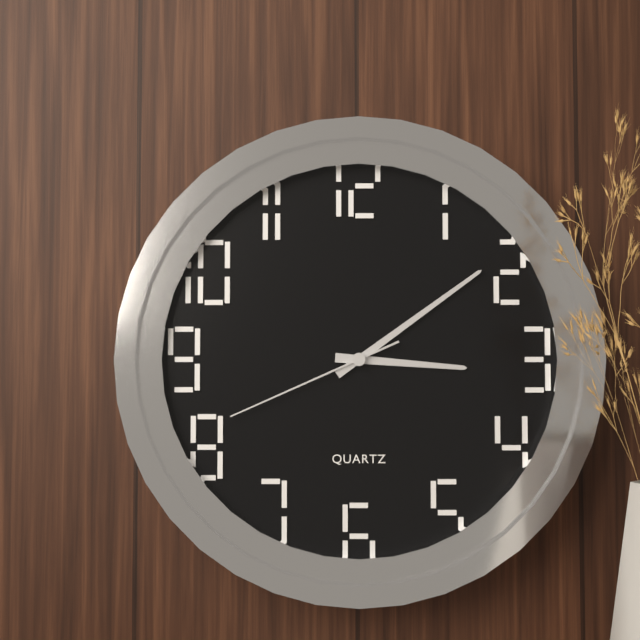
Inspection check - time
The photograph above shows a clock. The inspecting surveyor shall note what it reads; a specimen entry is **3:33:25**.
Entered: **3:09:41**
